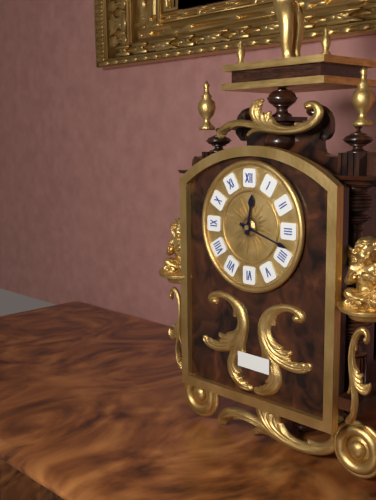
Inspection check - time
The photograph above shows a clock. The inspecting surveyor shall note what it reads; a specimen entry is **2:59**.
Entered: **12:18**
